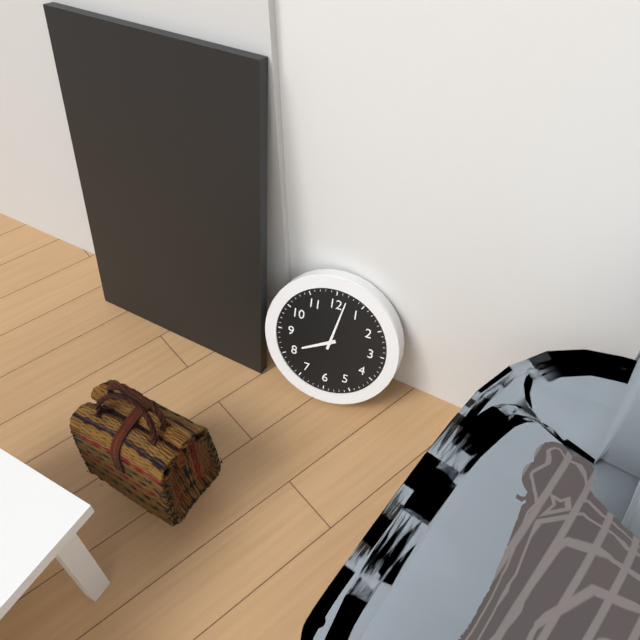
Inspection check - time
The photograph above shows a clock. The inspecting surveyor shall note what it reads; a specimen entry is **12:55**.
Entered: **8:02**
